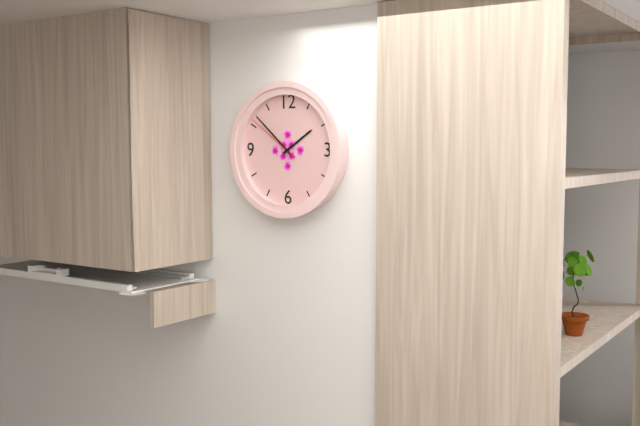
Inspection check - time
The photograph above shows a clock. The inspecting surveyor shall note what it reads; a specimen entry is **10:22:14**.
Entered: **1:52:51**
